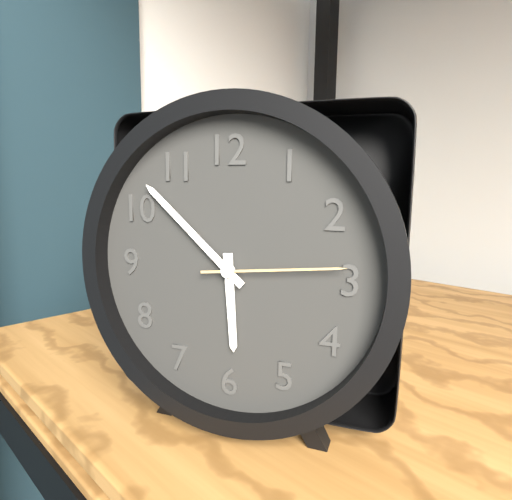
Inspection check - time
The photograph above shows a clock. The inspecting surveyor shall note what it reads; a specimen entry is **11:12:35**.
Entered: **5:52:14**
